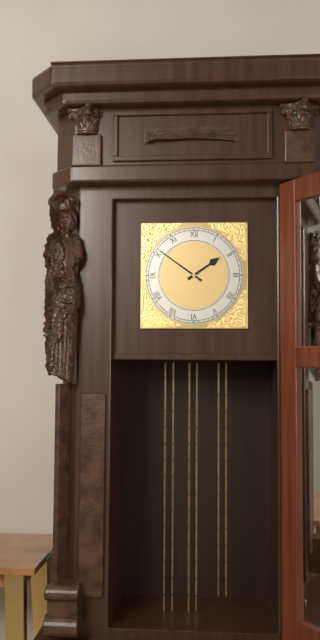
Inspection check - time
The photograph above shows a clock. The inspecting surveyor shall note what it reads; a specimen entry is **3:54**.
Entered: **1:51**
